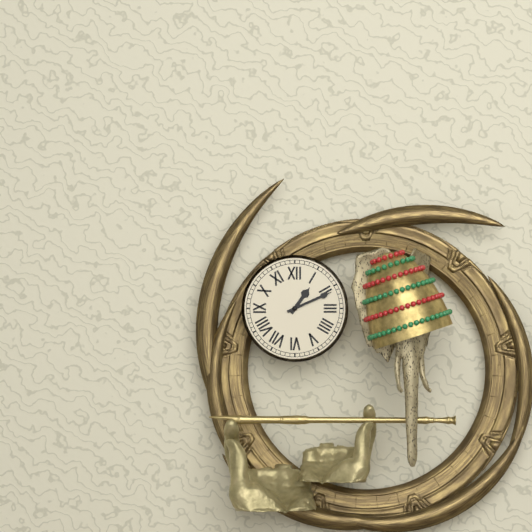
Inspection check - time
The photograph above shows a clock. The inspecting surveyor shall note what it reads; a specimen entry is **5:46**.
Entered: **1:11**
